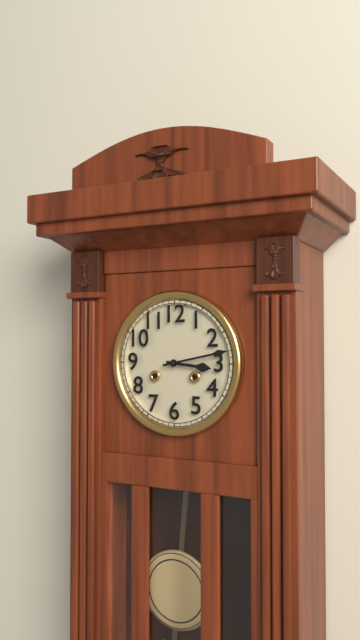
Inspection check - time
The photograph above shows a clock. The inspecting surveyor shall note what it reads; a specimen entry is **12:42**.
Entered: **3:13**
